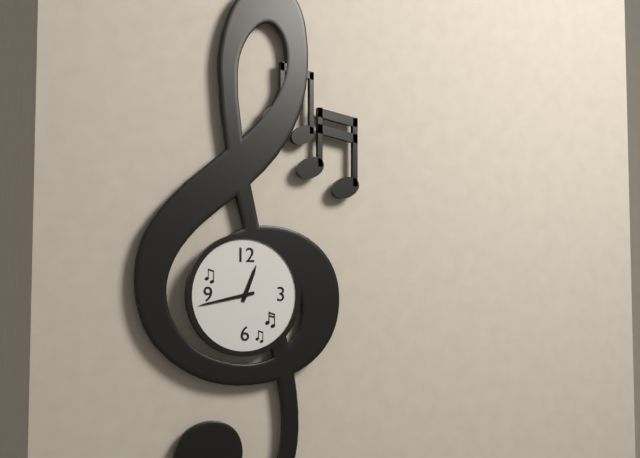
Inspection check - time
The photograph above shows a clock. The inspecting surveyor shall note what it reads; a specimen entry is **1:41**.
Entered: **12:43**
